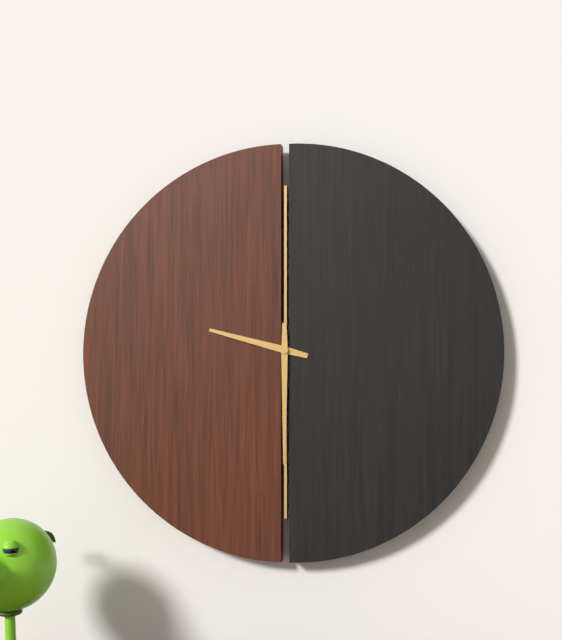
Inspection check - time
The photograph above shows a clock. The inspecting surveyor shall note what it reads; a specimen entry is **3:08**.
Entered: **9:30**
